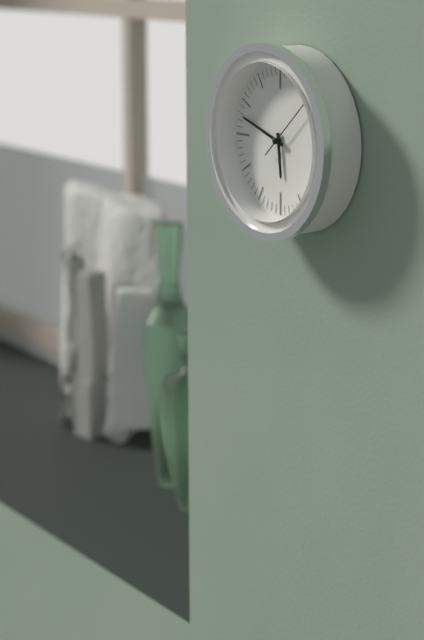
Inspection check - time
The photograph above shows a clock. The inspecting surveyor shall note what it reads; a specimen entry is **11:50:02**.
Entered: **5:48:08**
